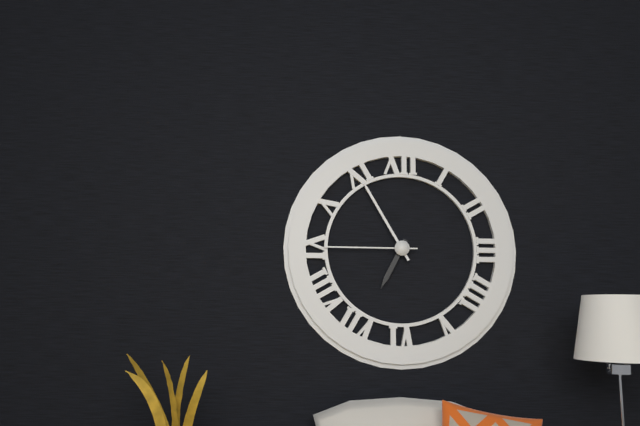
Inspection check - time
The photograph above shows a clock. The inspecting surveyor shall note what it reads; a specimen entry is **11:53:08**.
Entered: **6:55:45**
